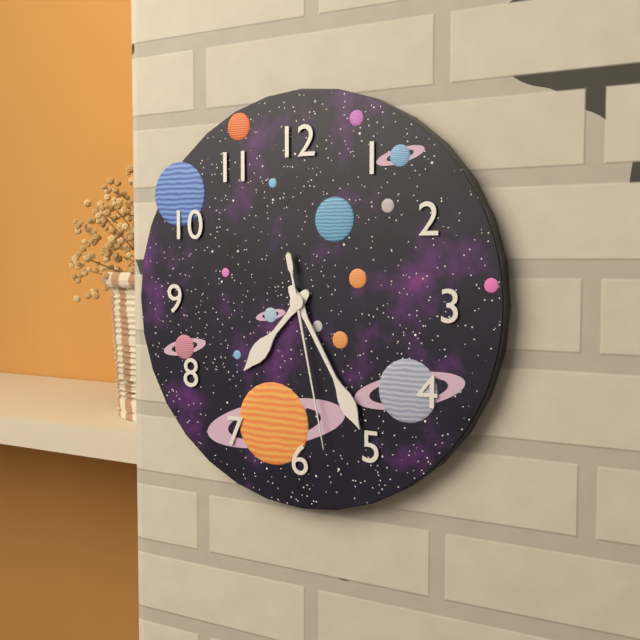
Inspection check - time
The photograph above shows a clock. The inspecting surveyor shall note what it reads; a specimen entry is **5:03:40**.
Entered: **7:25:28**
